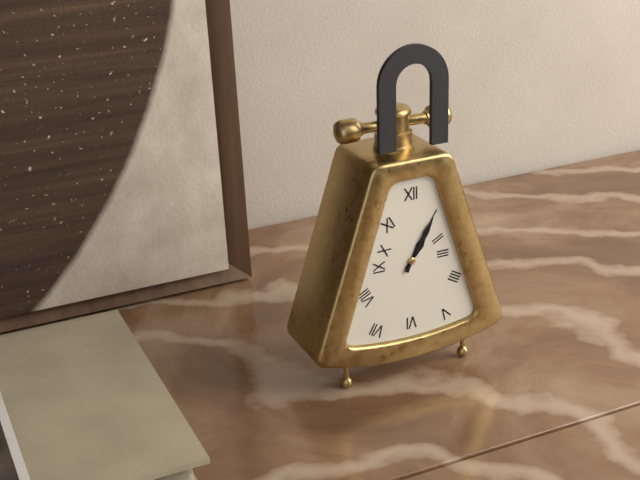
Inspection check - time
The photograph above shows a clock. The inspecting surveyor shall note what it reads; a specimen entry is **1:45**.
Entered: **1:05**
